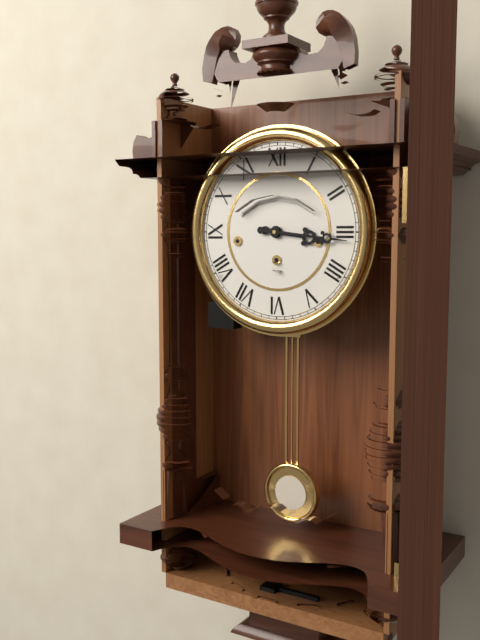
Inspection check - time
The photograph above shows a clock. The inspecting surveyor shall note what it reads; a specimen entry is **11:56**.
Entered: **3:16**
